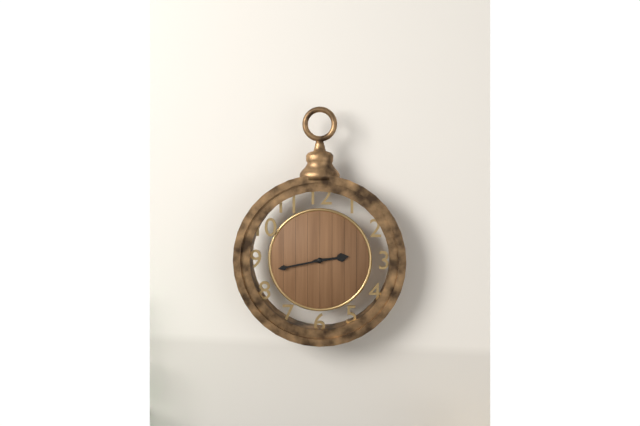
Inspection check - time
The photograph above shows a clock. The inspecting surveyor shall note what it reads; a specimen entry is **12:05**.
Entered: **2:43**
